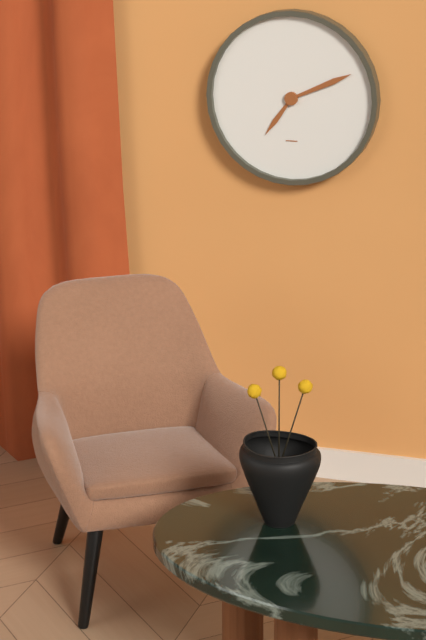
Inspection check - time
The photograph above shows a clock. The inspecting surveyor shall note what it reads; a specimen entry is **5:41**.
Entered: **7:11**
